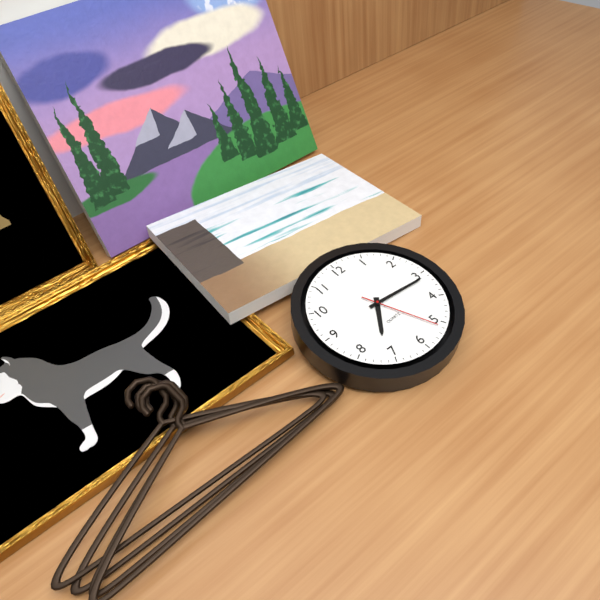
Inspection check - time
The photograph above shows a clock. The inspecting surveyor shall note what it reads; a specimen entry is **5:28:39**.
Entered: **7:16:26**
